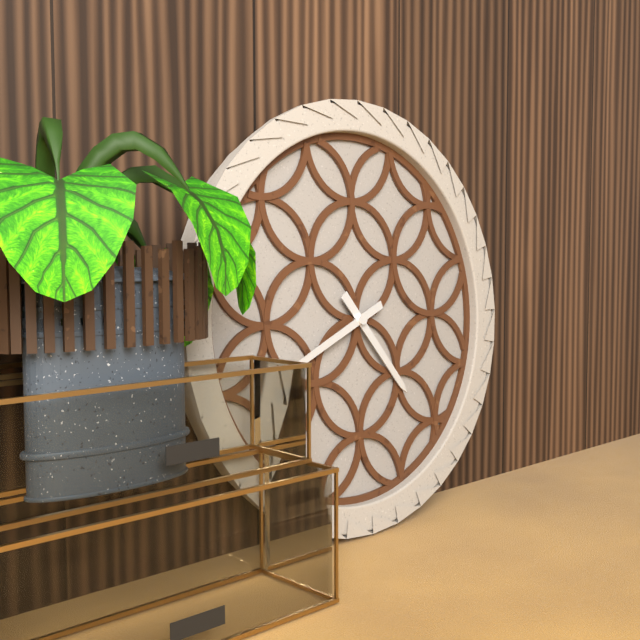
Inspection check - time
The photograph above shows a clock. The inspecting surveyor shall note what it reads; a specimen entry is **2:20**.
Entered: **4:41**
